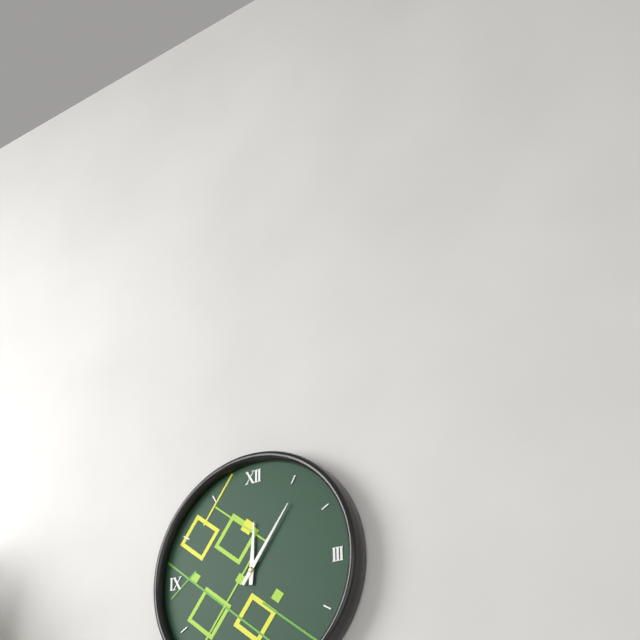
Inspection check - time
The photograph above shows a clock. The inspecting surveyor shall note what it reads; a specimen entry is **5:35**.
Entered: **12:06**
